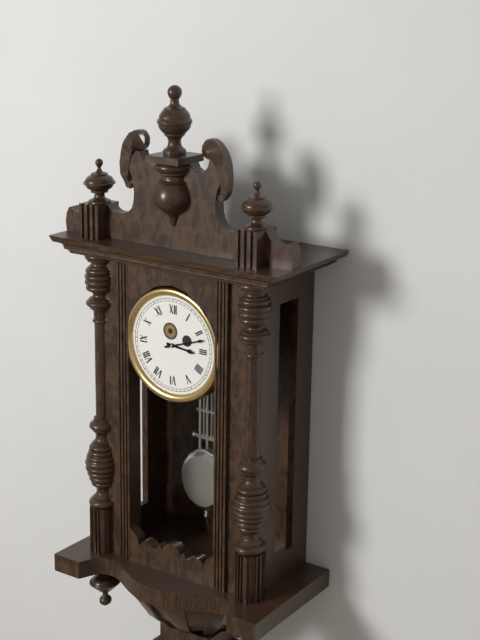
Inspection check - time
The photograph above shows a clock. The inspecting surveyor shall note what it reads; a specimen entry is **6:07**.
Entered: **3:12**
